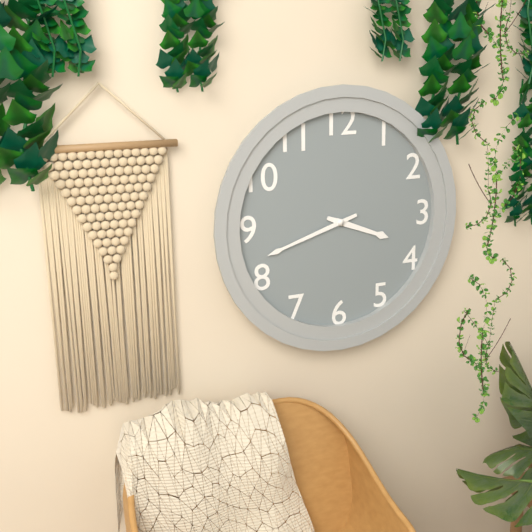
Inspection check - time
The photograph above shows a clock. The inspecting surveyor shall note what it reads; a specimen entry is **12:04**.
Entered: **3:42**
